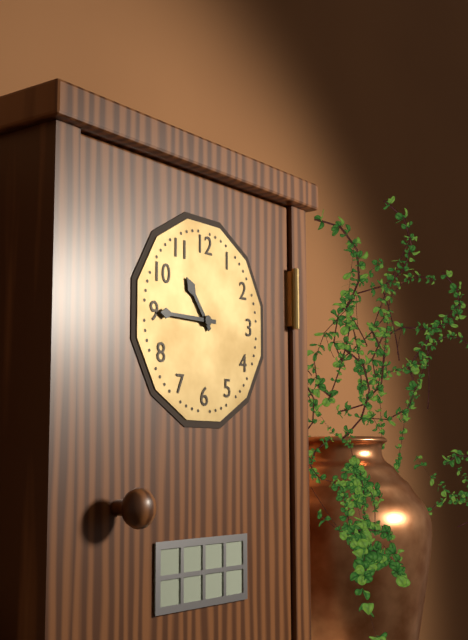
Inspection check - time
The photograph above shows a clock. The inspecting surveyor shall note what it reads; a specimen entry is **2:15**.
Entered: **10:45**
